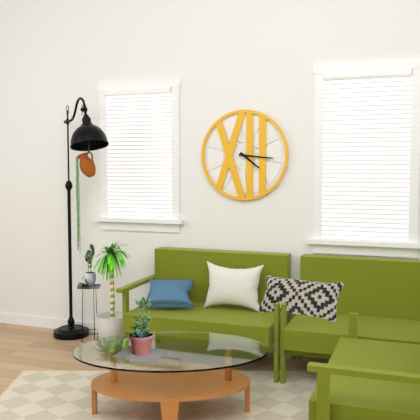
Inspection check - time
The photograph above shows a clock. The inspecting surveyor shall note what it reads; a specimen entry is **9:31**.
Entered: **4:16**
